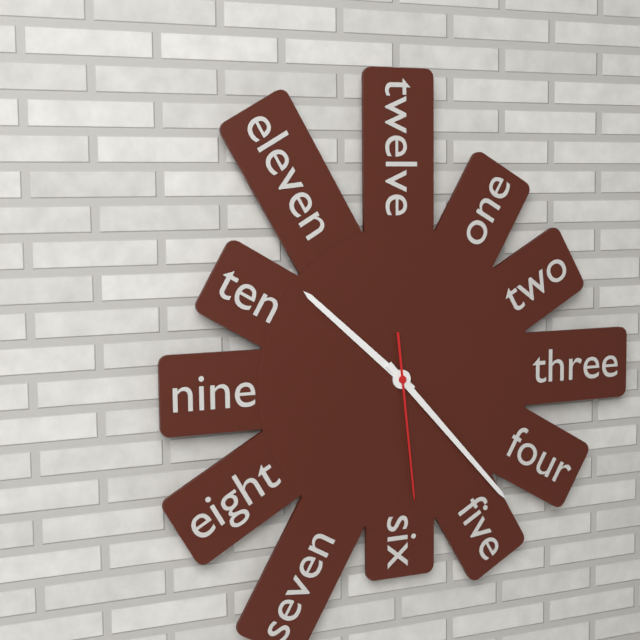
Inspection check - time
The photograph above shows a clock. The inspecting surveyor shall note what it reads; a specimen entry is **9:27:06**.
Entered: **10:23:29**
